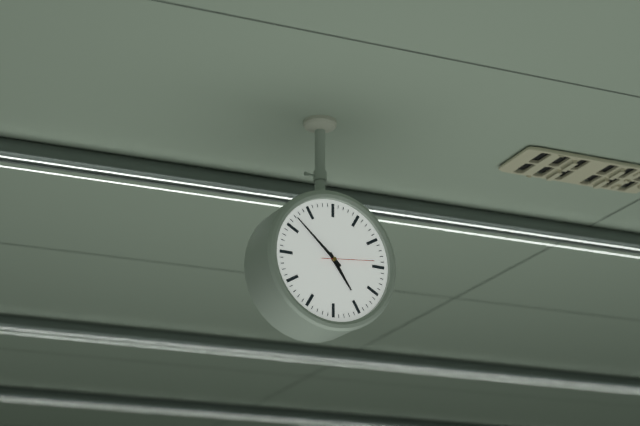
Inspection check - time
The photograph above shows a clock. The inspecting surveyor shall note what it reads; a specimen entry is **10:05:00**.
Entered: **4:52:14**
